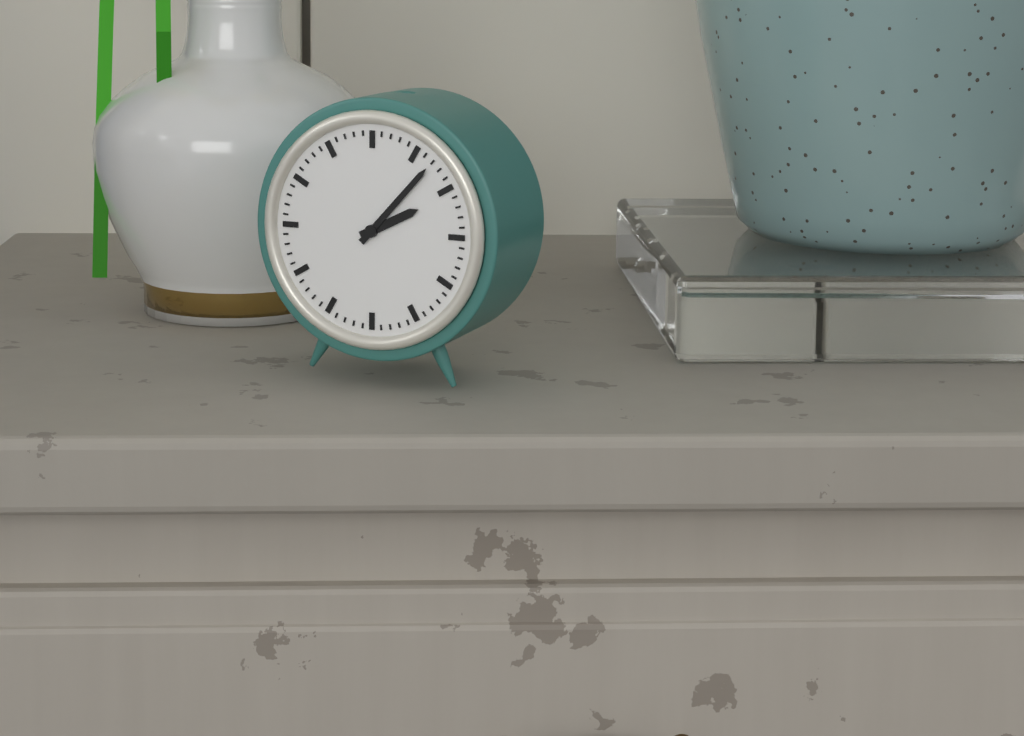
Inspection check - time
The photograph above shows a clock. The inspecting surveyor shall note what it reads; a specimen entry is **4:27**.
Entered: **2:07**
